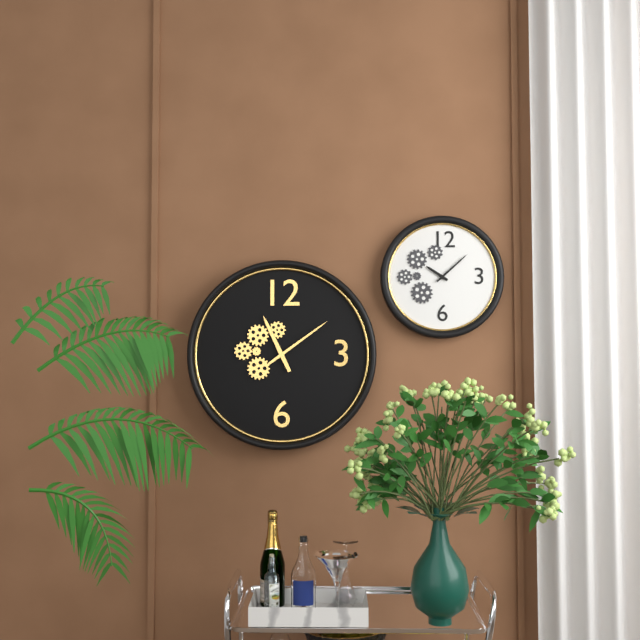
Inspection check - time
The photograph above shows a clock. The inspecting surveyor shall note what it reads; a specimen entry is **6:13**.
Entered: **11:09**
